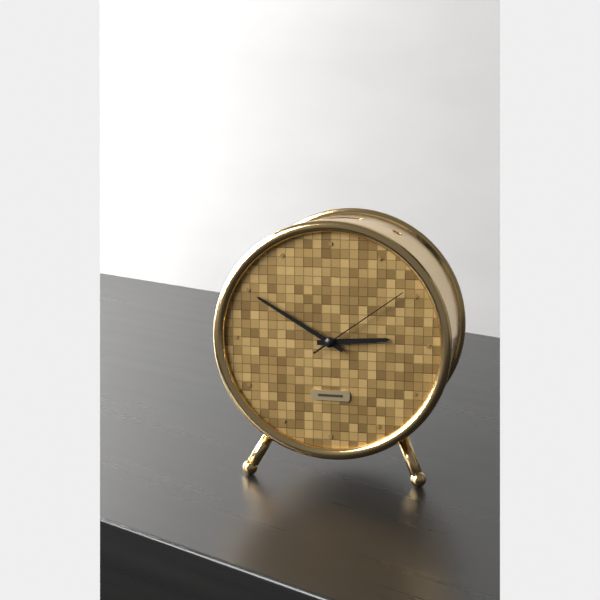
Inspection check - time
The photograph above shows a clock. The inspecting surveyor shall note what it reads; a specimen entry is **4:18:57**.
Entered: **2:50:09**
